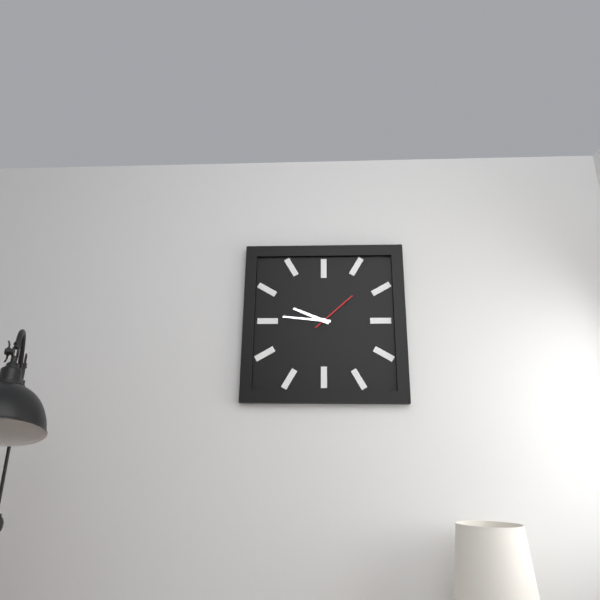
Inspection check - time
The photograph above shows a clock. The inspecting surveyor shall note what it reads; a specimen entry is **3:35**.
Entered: **9:46**
